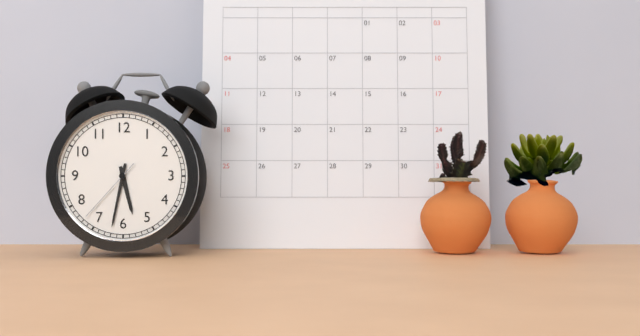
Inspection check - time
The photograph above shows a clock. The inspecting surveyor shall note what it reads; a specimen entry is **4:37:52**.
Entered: **5:32:37**
